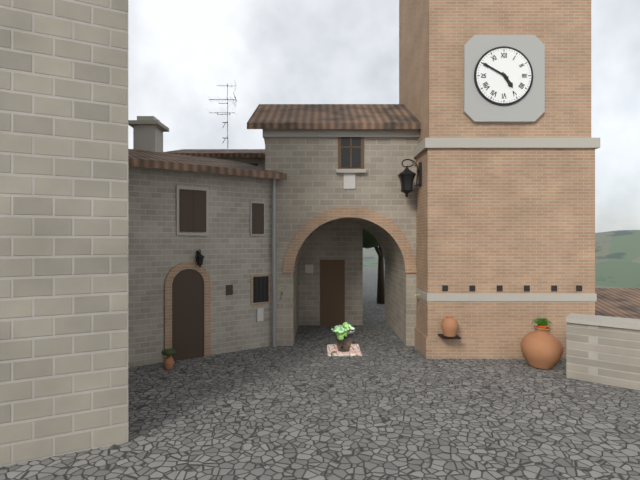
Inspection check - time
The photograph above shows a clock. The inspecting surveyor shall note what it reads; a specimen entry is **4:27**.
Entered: **4:50**
